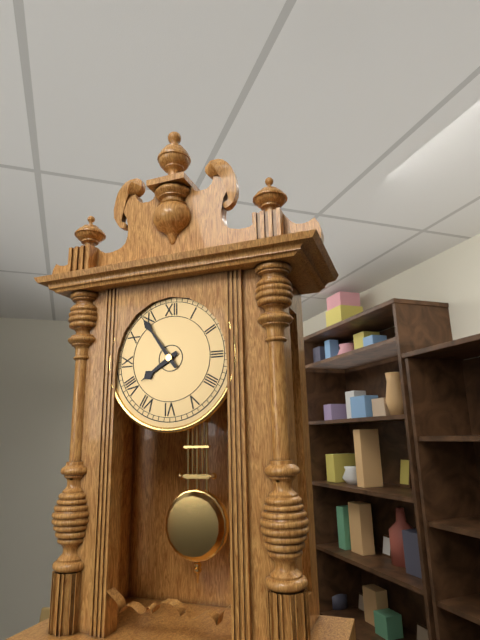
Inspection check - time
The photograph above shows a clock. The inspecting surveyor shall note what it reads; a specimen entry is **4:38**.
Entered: **7:54**
